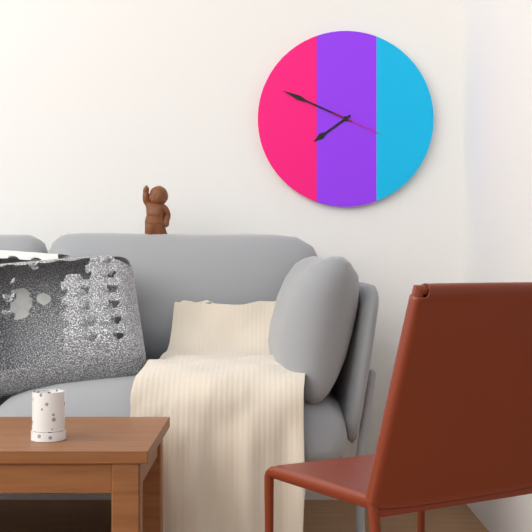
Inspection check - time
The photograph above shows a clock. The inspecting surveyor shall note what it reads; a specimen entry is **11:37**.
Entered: **7:49**
